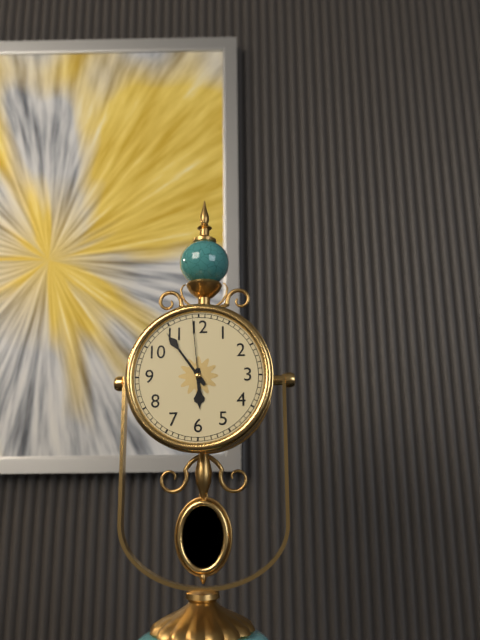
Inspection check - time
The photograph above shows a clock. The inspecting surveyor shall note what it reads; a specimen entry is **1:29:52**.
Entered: **5:54:59**
